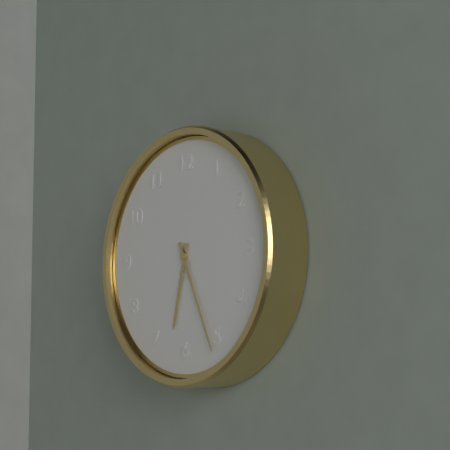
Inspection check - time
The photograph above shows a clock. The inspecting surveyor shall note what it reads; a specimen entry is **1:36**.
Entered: **6:26**
